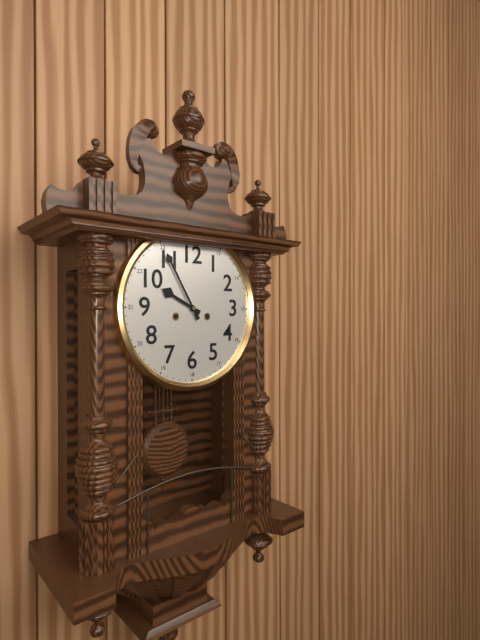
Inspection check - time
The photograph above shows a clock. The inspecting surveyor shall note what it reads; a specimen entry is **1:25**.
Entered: **9:55**
